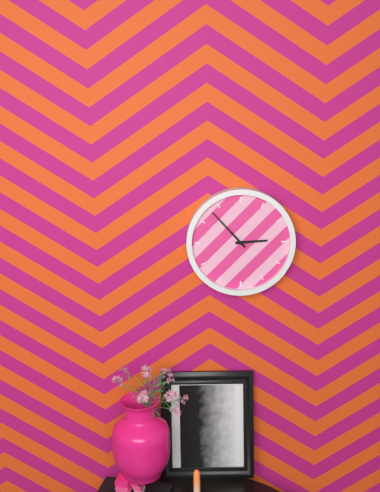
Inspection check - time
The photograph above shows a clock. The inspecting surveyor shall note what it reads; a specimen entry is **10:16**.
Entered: **2:53**
